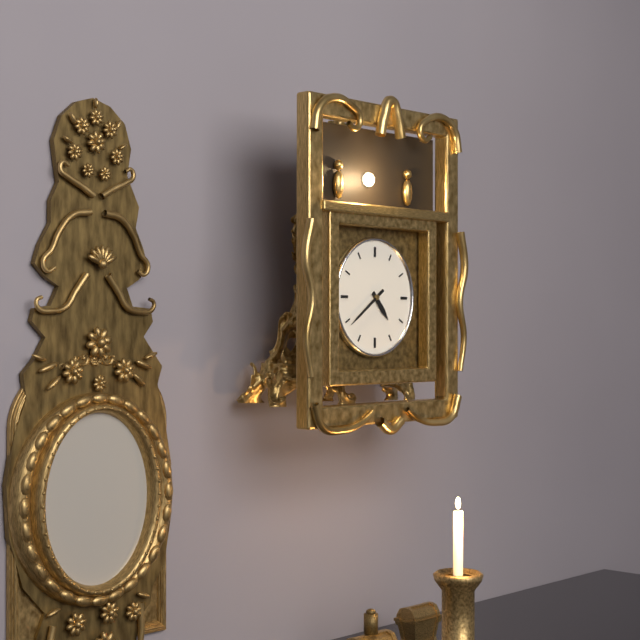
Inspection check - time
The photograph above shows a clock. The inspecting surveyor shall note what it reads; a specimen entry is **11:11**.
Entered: **4:39**
